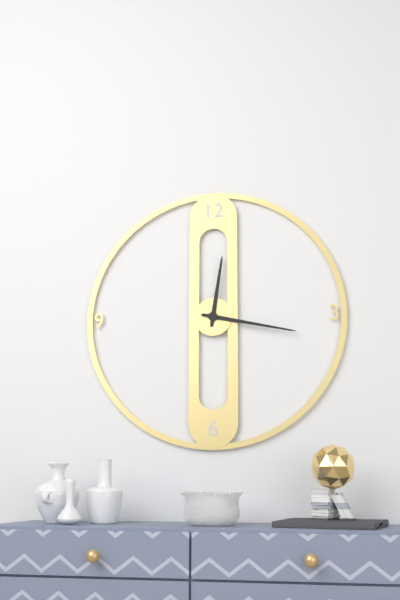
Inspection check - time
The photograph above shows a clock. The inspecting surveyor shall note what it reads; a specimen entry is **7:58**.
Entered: **12:17**
